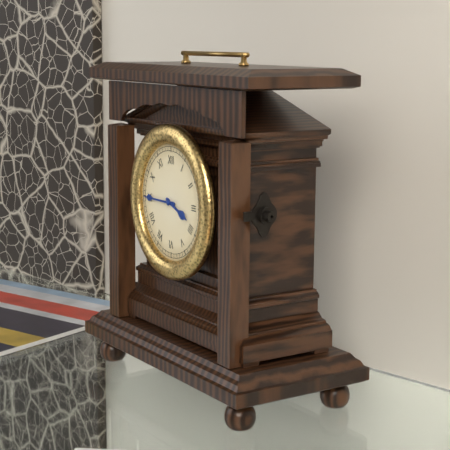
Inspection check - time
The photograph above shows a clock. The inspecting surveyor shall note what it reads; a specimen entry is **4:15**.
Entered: **3:45**
